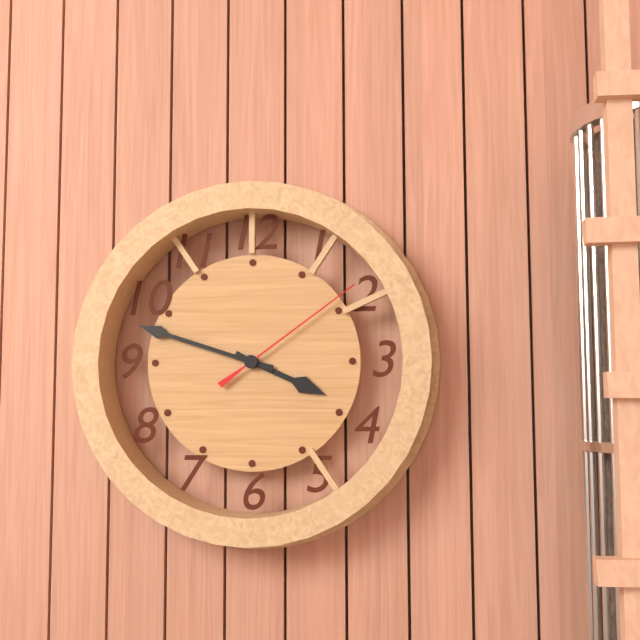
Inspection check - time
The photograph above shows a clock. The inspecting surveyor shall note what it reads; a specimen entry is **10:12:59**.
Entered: **3:48:09**
